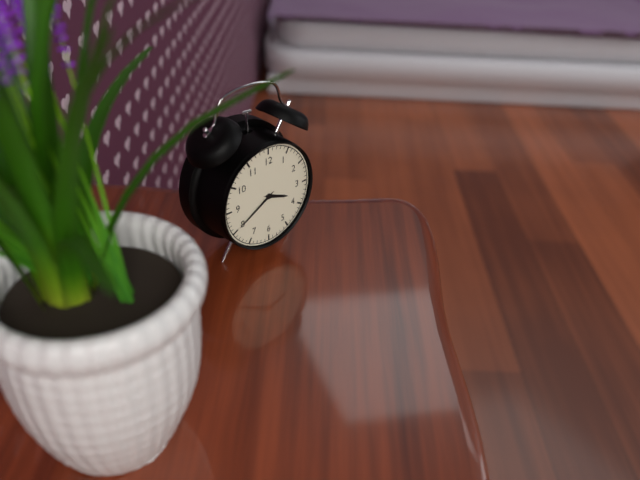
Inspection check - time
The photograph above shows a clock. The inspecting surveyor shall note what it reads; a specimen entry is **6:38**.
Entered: **3:40**
